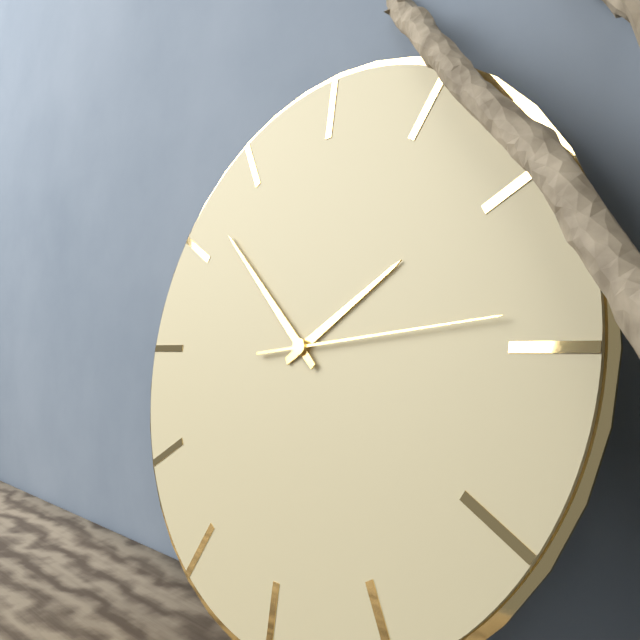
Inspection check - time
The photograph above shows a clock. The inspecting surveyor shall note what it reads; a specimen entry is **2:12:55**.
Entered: **1:52:14**
